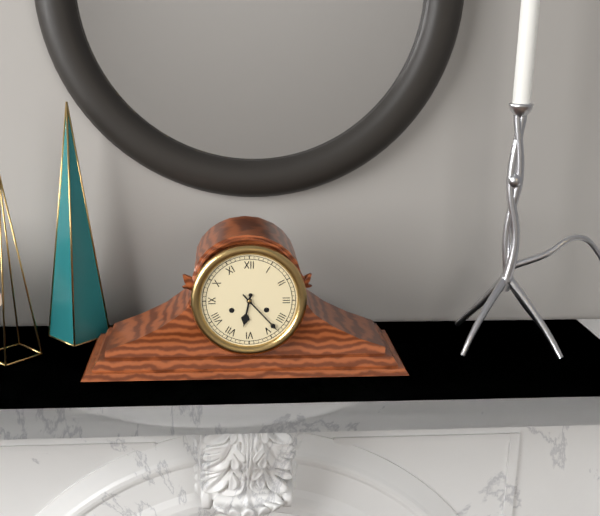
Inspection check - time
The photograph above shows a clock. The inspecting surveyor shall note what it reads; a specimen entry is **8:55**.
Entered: **6:23**
